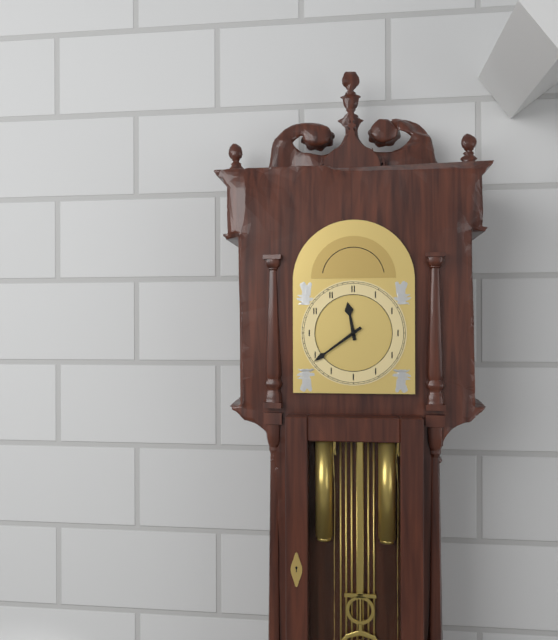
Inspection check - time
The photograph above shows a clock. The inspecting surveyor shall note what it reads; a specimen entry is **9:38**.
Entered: **11:39**
